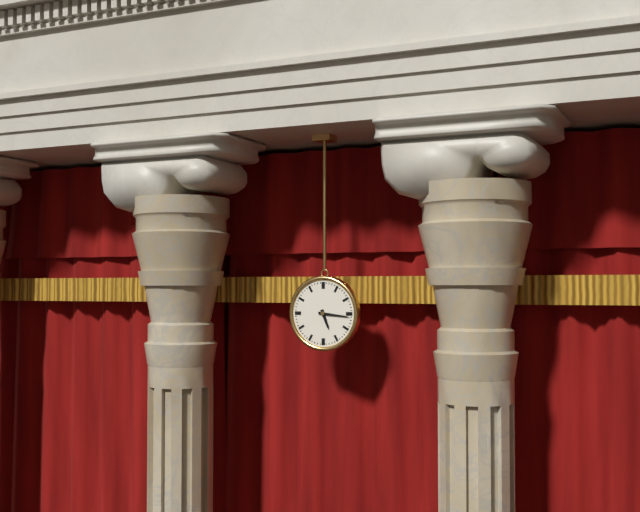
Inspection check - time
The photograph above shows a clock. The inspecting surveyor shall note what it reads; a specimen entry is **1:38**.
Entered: **5:16**
